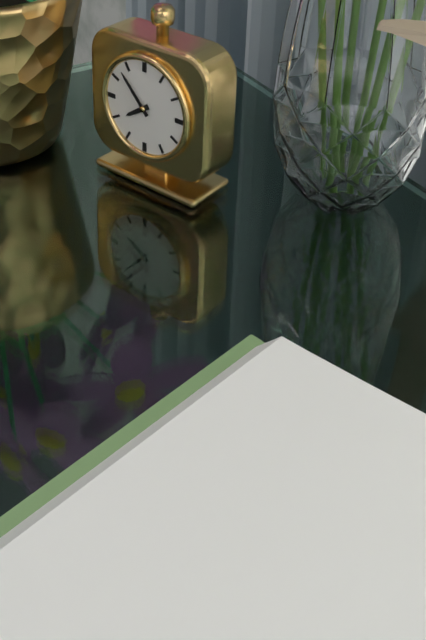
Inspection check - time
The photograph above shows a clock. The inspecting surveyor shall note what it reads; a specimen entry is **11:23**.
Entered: **7:53**
